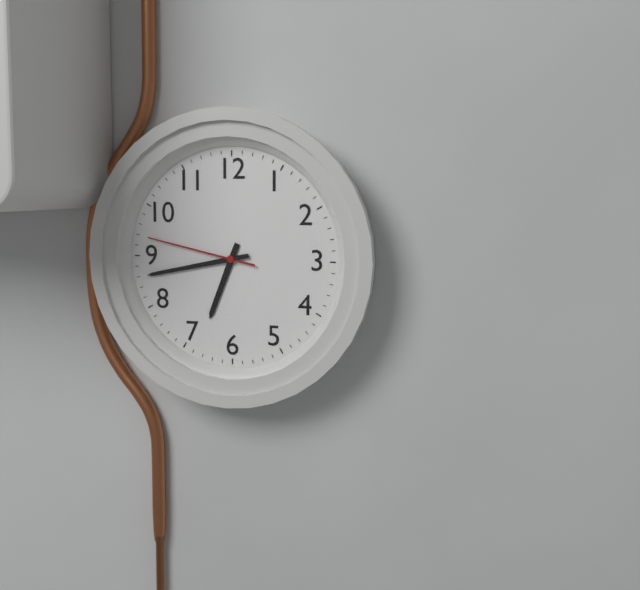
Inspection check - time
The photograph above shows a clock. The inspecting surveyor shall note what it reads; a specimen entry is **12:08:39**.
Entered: **6:43:47**
